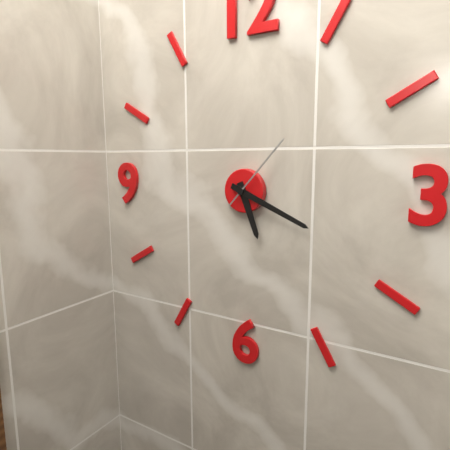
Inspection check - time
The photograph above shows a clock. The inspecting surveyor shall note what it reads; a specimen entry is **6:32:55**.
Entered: **5:19:07**
